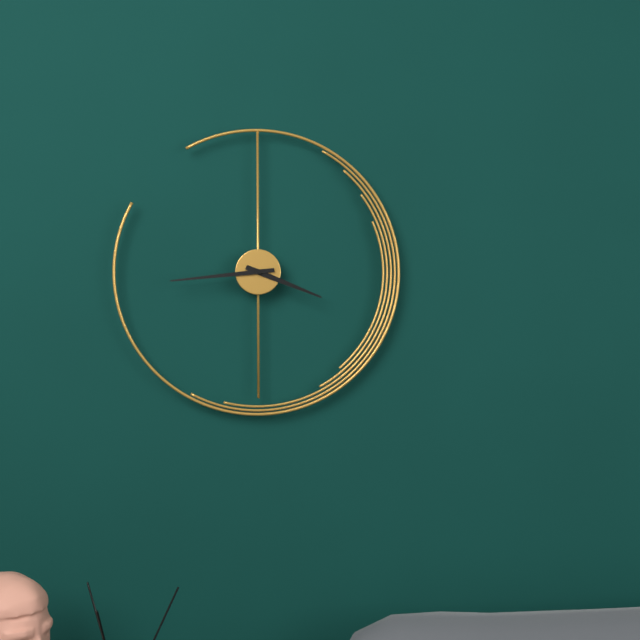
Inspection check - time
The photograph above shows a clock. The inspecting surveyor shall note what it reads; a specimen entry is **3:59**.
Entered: **3:44**
